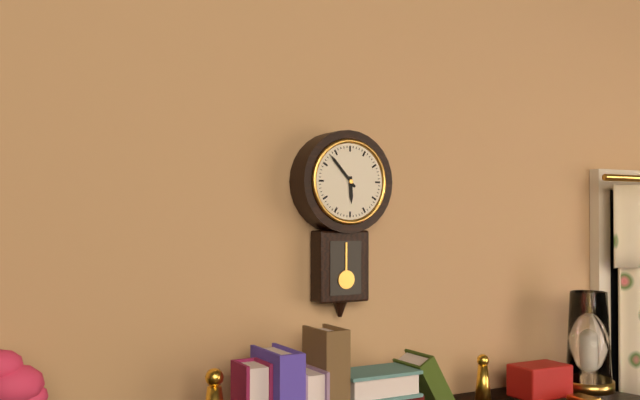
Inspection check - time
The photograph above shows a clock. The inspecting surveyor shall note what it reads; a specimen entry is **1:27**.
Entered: **5:53**
